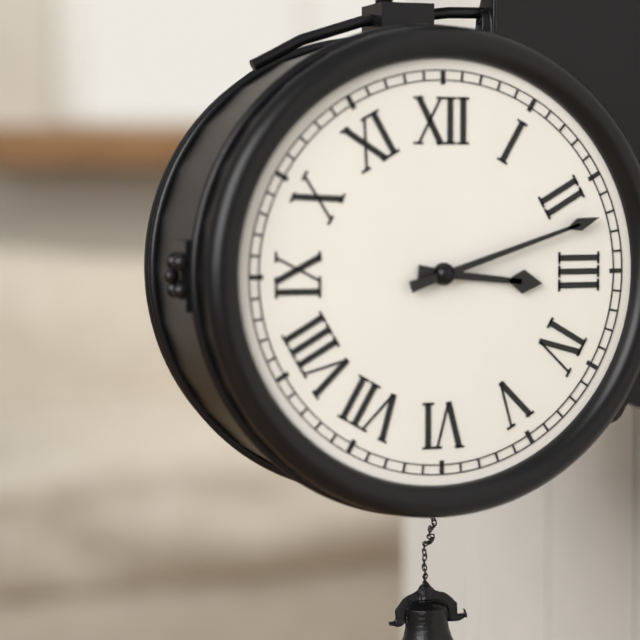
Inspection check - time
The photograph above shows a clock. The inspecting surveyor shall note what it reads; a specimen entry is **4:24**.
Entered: **3:12**
